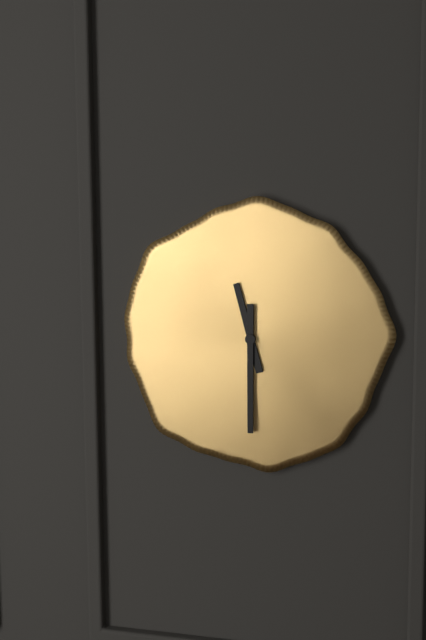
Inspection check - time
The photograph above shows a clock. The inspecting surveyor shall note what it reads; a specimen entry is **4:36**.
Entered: **11:30**
